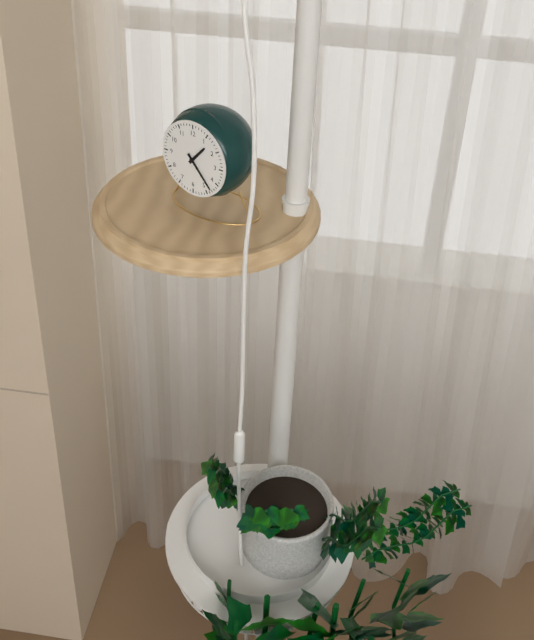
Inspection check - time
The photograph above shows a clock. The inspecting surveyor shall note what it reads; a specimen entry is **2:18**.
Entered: **1:23**
